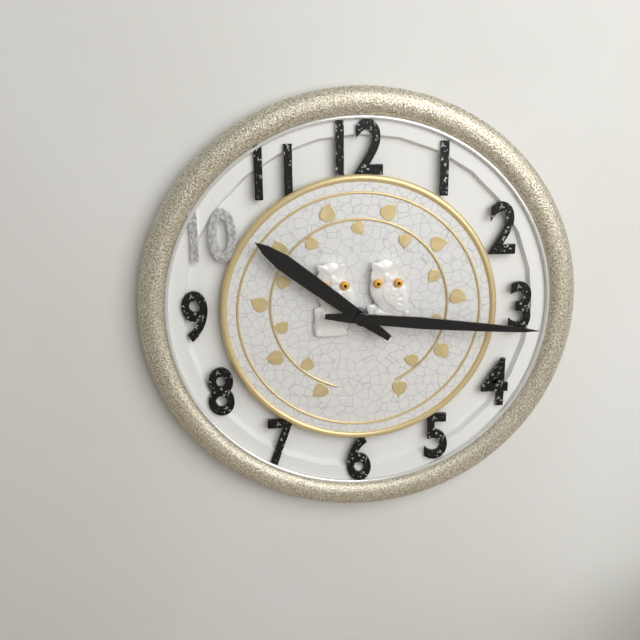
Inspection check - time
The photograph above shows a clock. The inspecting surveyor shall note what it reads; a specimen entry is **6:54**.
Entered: **10:16**
